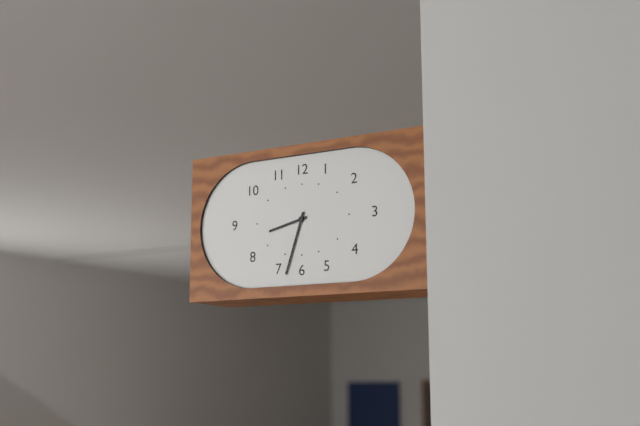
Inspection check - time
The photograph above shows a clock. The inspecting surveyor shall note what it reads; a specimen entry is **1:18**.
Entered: **8:33**
